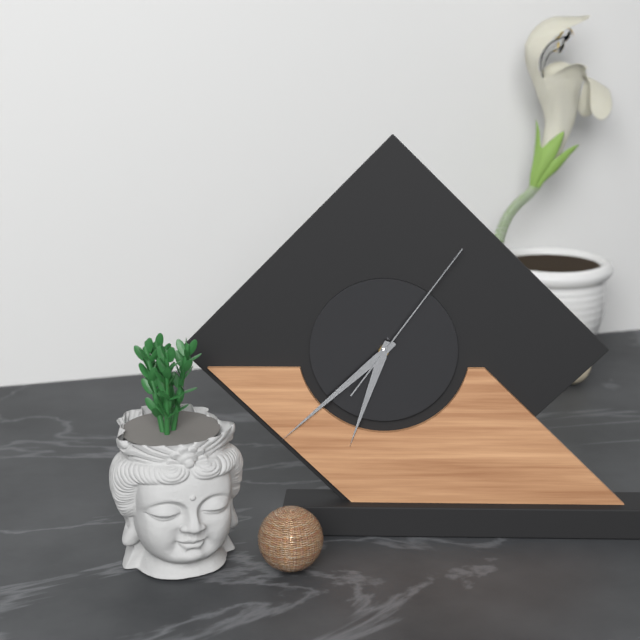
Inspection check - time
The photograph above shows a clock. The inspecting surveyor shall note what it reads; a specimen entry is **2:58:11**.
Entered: **6:38:06**
